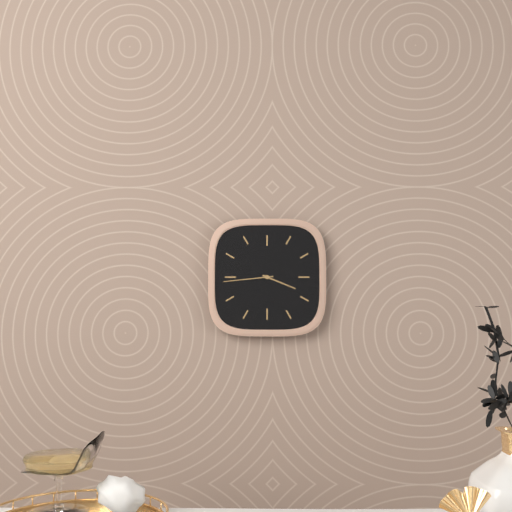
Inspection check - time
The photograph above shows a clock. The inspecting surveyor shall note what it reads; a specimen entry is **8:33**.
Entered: **3:44**
